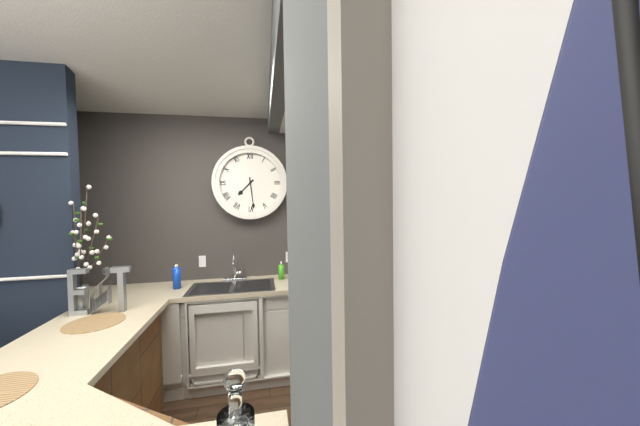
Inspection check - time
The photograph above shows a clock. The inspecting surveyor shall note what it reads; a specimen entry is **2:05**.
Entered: **7:29**
